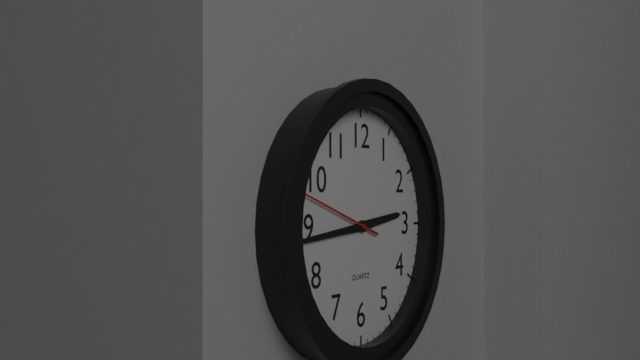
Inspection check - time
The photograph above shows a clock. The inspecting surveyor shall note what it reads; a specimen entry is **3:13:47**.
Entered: **2:44:48**
